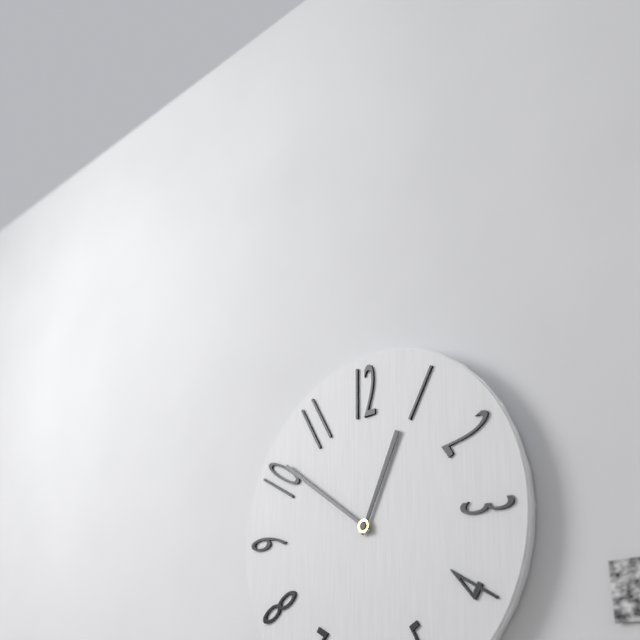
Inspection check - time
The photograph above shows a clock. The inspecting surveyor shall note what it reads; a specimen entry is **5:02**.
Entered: **12:51**
